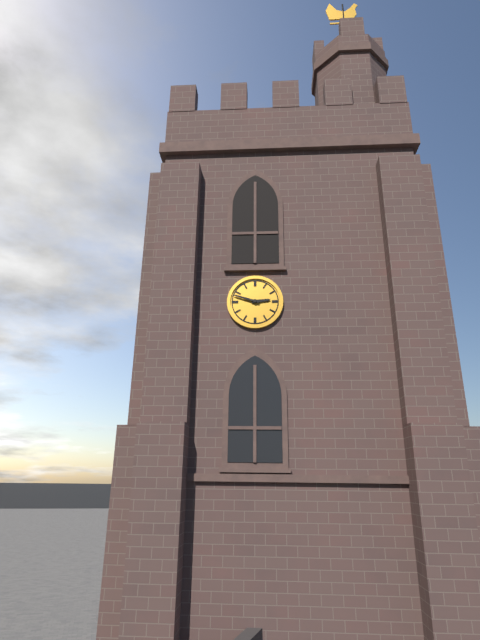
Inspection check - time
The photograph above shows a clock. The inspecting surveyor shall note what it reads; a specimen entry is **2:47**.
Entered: **2:48**
